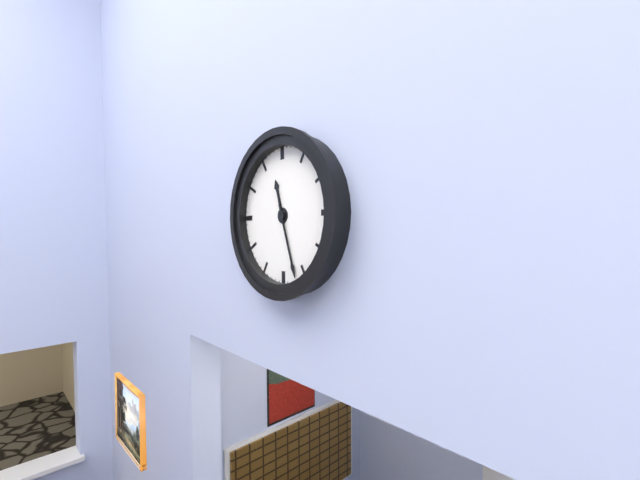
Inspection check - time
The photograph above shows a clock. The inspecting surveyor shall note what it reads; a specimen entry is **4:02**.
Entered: **11:27**
